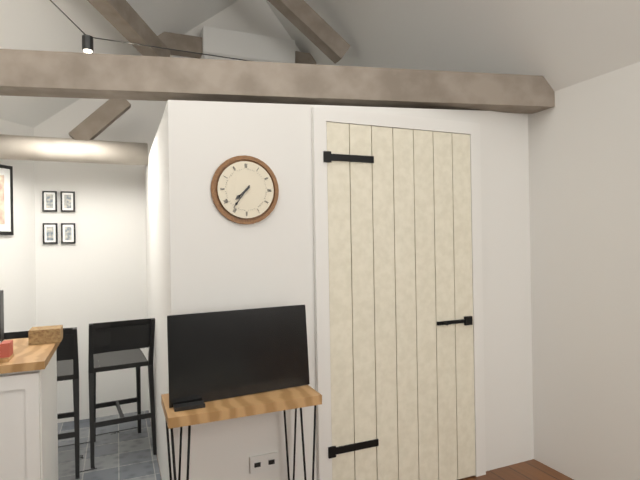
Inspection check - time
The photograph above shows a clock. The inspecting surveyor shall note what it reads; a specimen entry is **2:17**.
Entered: **7:36**
